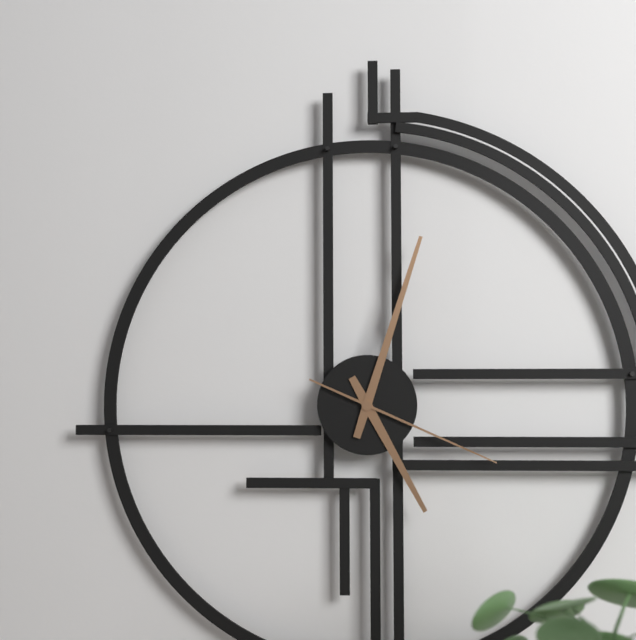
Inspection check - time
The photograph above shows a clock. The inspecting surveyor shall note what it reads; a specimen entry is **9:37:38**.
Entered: **5:03:19**
